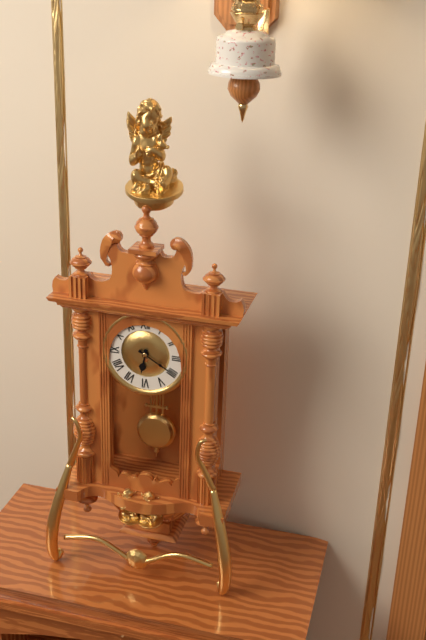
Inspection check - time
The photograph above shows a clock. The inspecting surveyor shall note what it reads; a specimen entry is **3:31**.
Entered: **6:20**
